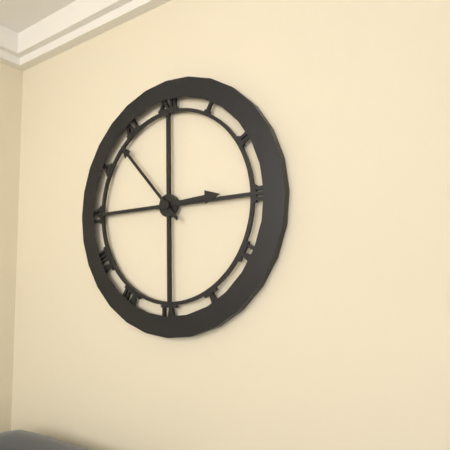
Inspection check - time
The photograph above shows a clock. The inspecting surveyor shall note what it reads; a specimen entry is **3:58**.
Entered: **2:53**
